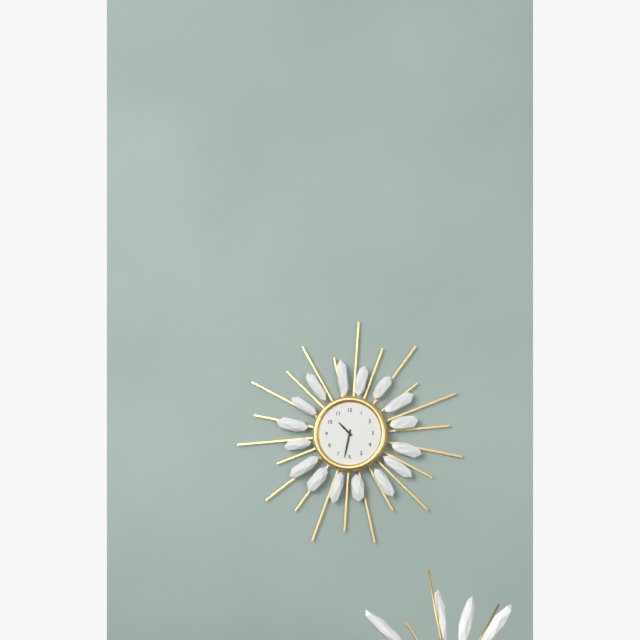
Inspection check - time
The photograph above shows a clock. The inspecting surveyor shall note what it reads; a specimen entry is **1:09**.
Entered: **10:32**
